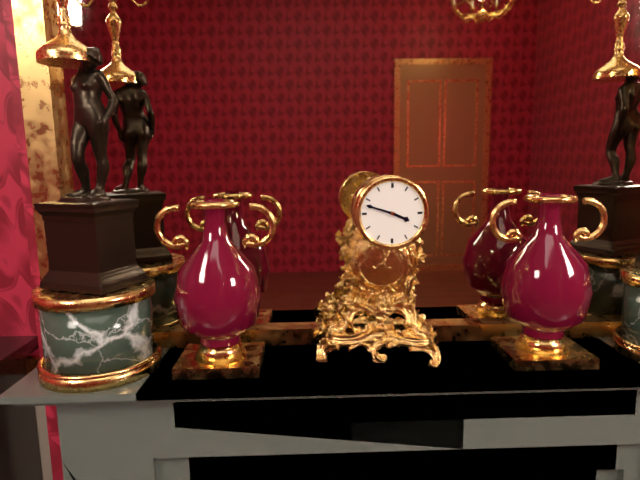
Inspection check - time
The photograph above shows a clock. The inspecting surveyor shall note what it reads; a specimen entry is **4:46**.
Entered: **3:48**
